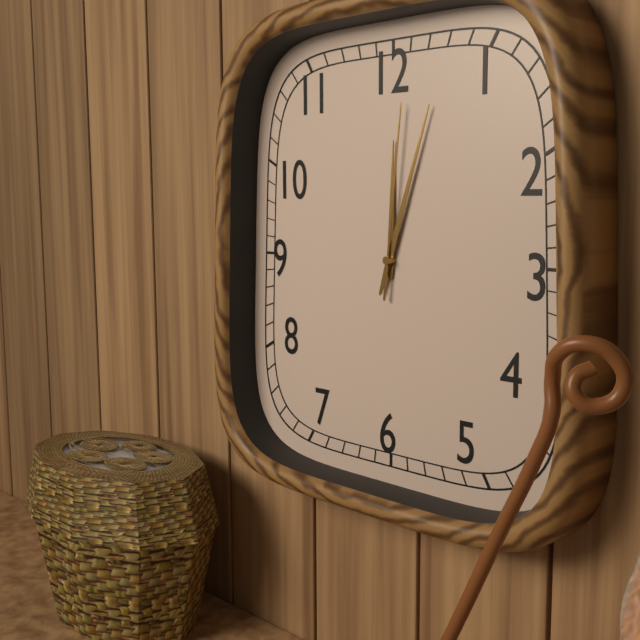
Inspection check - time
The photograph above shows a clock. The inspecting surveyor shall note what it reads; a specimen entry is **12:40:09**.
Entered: **12:03:01**
